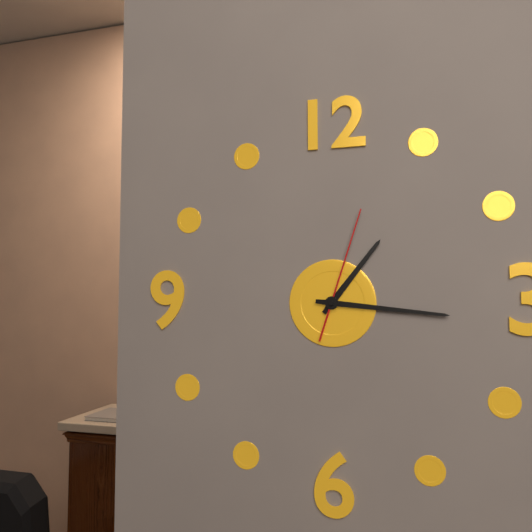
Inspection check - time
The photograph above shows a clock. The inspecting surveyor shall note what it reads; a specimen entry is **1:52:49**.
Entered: **1:16:03**
